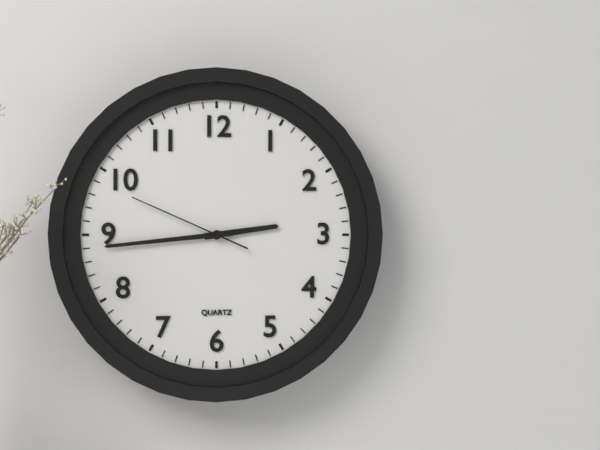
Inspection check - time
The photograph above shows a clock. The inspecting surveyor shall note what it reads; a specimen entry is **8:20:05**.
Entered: **2:44:49**
